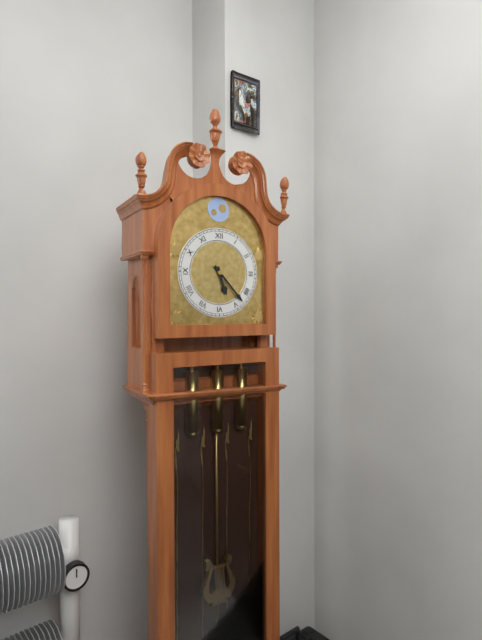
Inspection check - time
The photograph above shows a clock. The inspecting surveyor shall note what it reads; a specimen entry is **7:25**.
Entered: **5:23**
